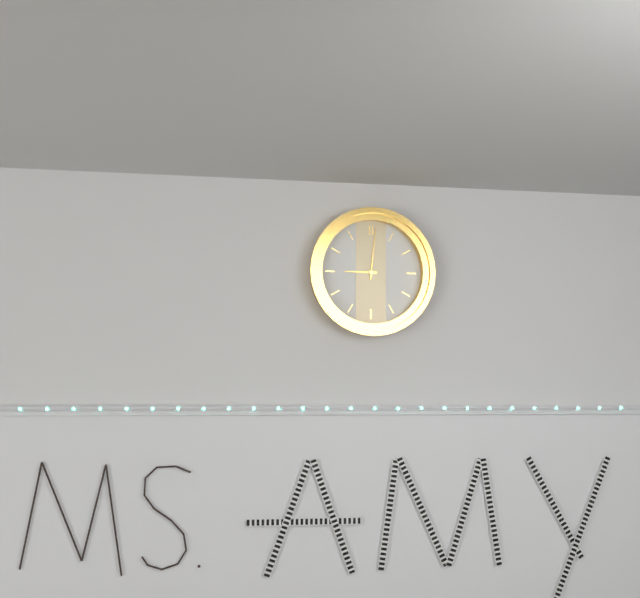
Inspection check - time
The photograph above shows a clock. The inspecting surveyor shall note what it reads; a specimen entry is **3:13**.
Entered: **9:01**
